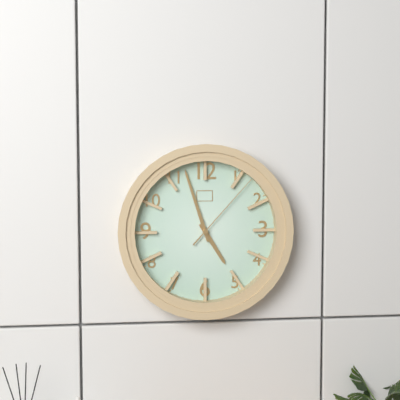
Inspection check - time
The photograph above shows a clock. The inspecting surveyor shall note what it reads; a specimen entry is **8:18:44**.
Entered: **4:57:07**
